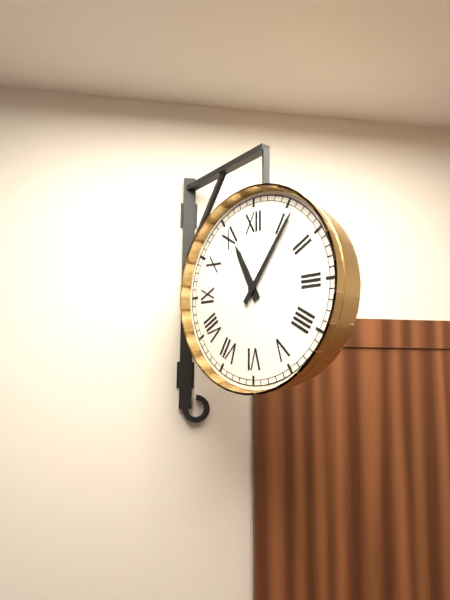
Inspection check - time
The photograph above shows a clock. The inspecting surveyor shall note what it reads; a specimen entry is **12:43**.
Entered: **11:06**
